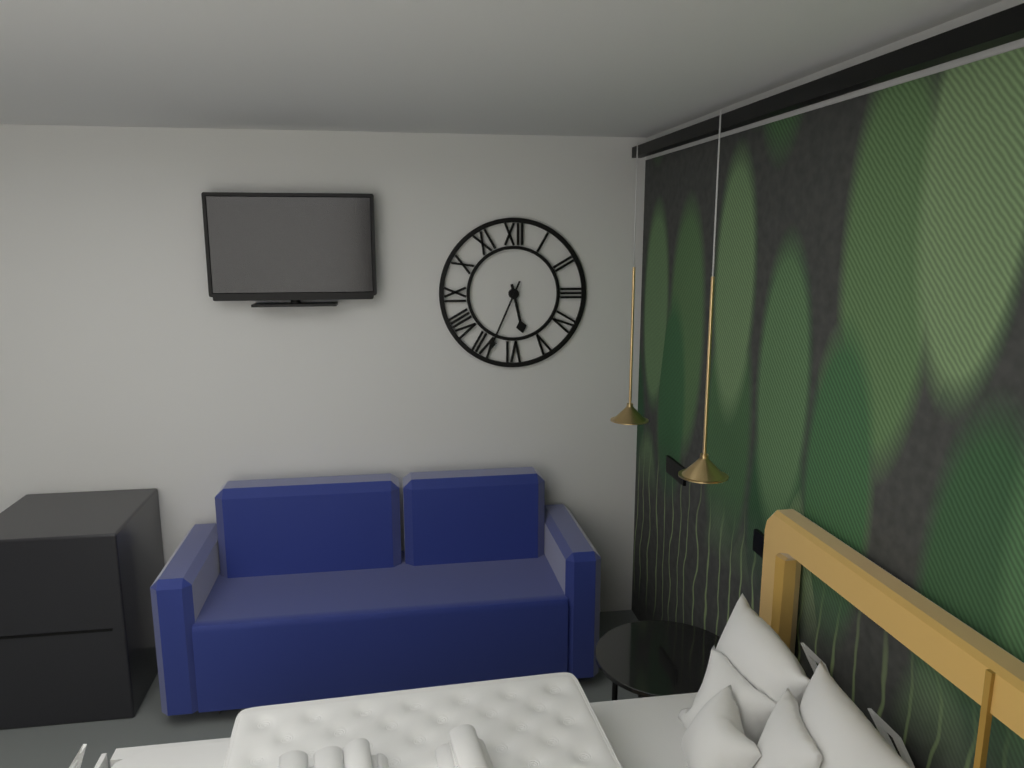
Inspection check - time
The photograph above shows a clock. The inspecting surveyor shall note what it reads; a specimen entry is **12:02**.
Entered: **5:34**
